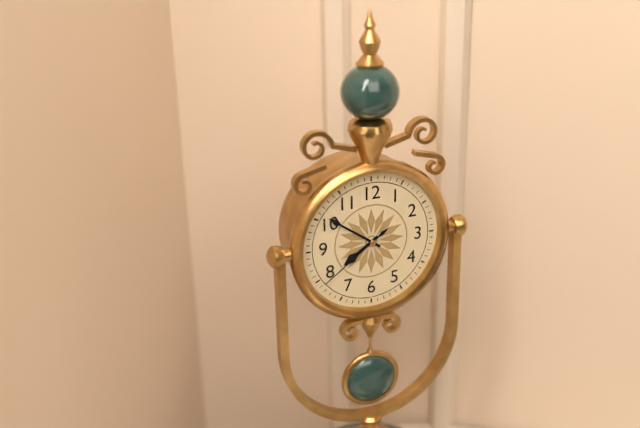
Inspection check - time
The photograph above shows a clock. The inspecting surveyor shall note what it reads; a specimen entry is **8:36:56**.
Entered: **7:51:39**
